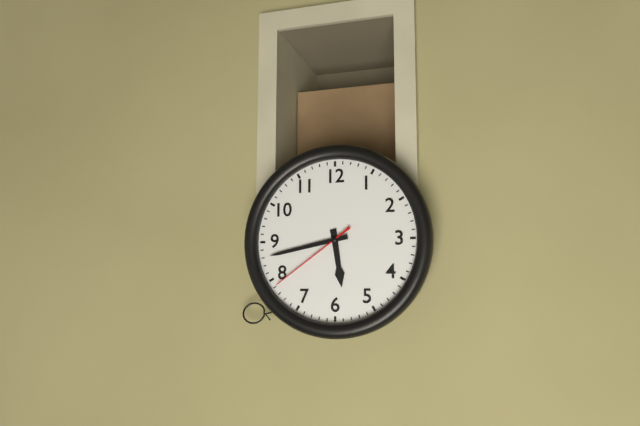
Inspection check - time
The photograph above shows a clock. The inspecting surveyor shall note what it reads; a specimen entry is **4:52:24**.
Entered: **5:43:39**
